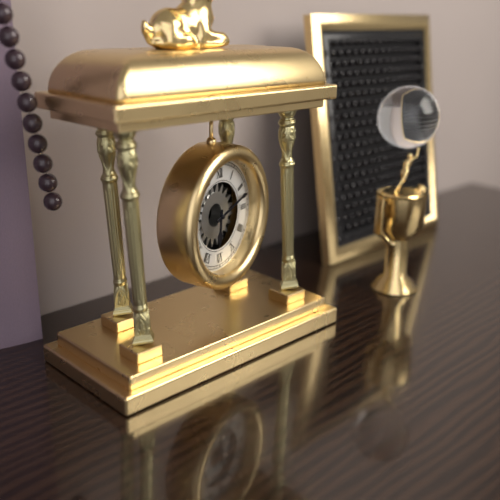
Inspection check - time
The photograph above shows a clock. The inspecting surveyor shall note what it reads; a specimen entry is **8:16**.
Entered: **6:12**
